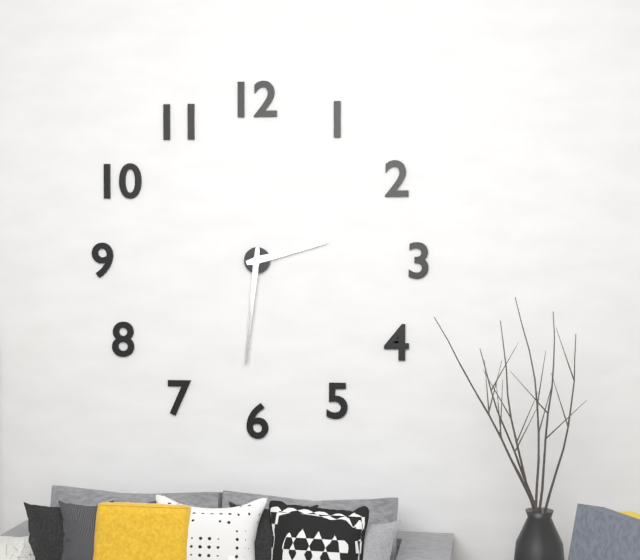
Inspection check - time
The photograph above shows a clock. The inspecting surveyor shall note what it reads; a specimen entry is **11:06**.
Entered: **2:31**
